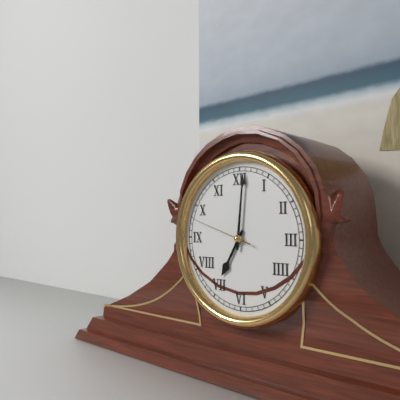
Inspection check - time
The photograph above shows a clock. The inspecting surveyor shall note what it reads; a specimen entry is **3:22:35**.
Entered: **7:01:48**
